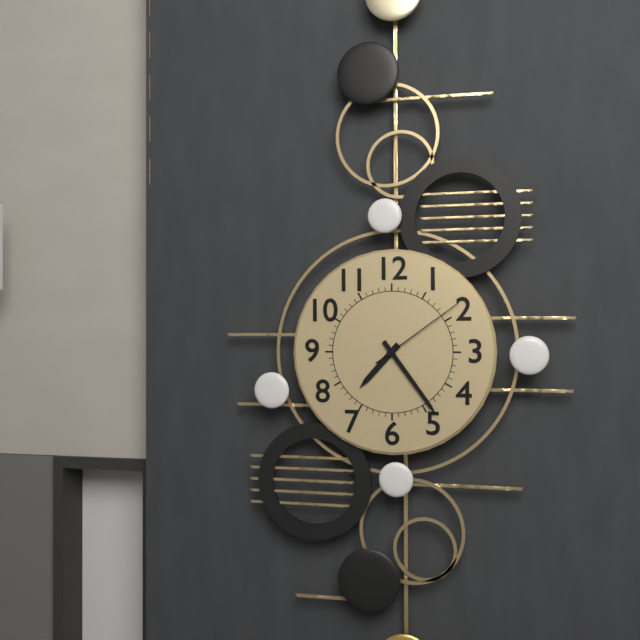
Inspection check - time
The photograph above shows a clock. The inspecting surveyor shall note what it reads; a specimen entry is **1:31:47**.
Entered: **7:24:09**
